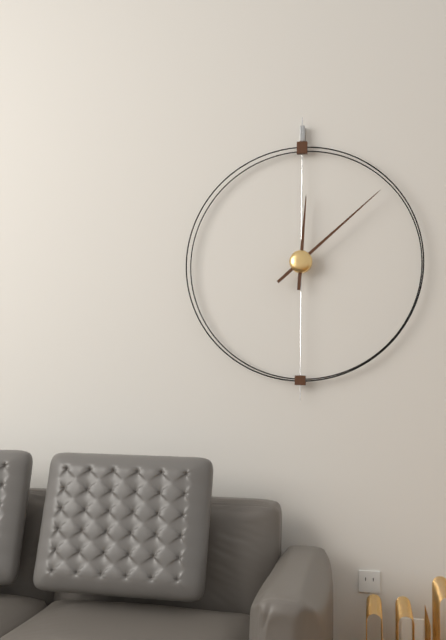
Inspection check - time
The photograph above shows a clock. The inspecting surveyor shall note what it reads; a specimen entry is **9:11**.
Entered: **12:08**
